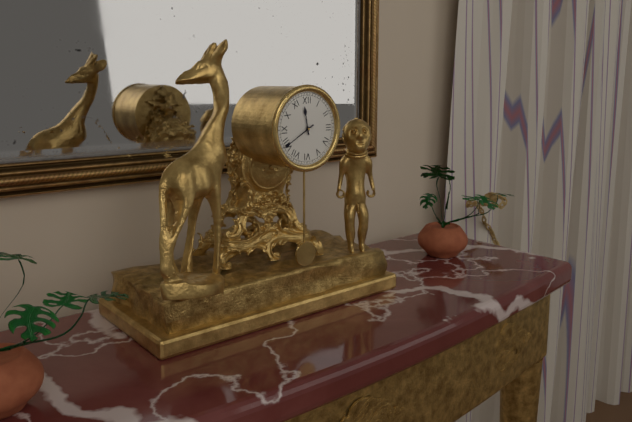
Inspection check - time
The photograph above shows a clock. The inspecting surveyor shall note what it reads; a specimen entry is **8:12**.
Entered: **11:40**
